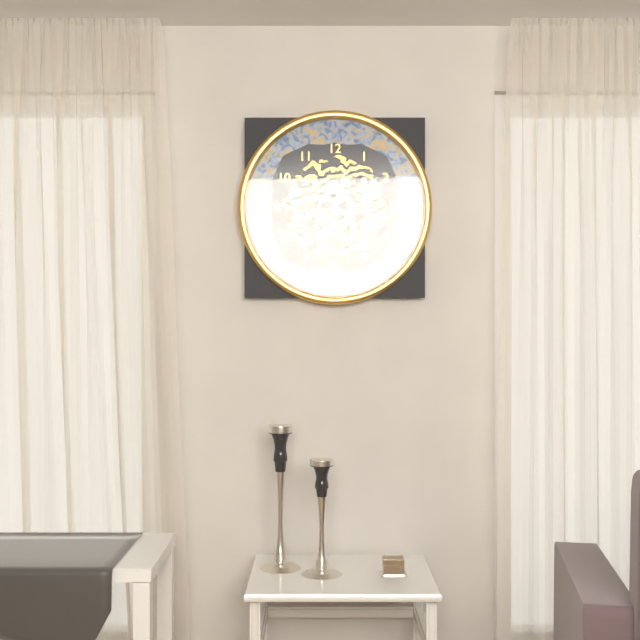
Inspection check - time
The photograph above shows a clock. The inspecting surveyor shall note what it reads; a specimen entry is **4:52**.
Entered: **12:33**
